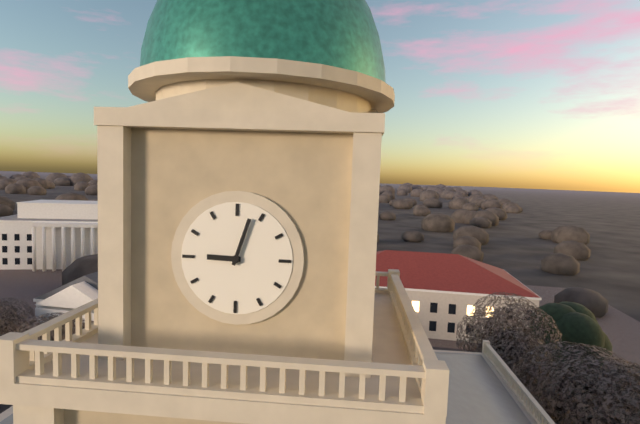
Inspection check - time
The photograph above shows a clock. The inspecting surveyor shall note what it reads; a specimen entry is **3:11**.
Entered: **9:03**
